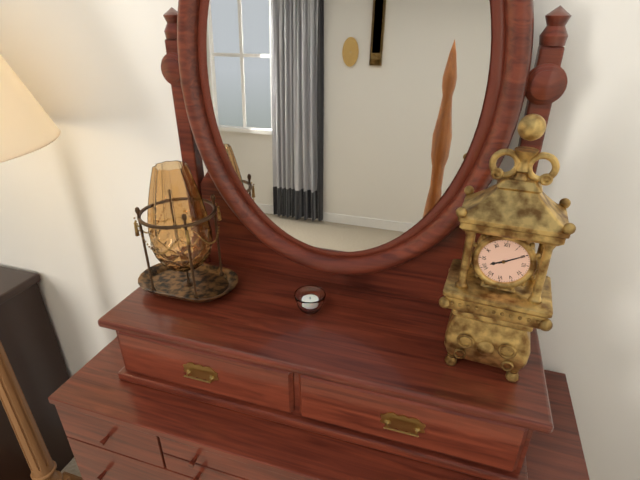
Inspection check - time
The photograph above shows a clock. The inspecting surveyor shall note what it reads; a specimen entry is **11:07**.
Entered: **8:10**
